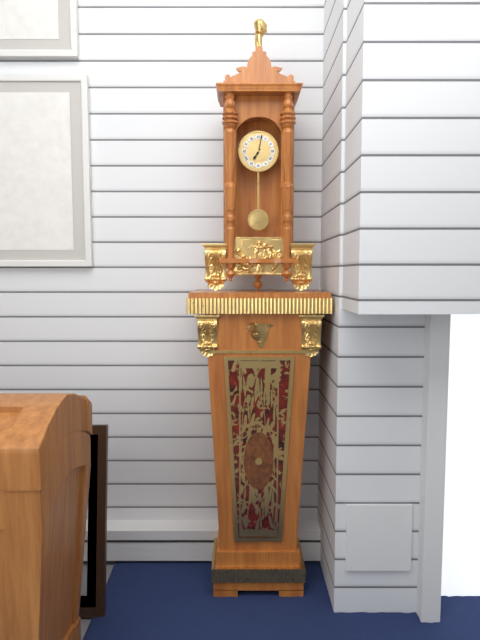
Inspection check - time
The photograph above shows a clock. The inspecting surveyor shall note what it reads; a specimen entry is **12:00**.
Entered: **7:02**
